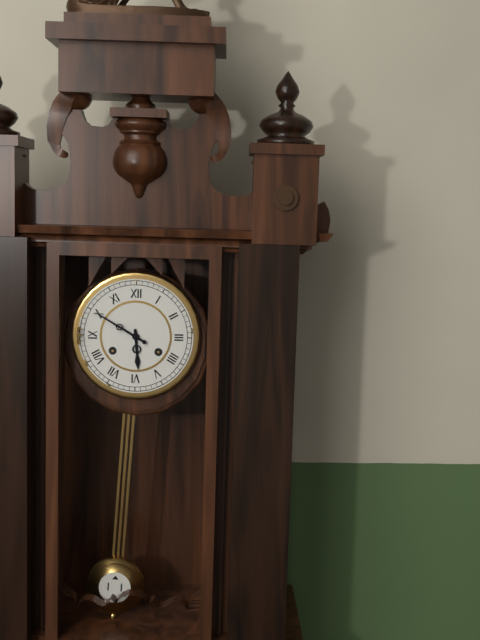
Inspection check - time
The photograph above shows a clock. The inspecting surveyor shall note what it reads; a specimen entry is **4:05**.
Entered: **5:50**
